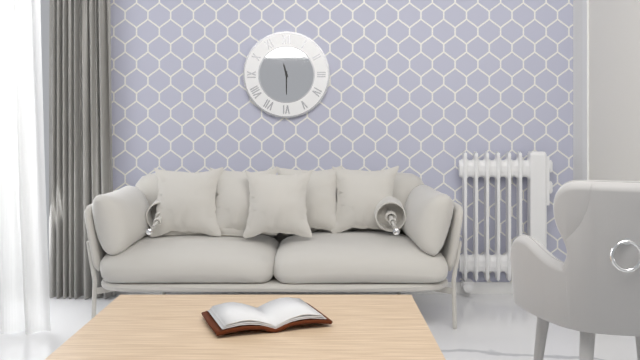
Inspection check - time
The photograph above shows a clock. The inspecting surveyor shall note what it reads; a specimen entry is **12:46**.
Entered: **11:30**
